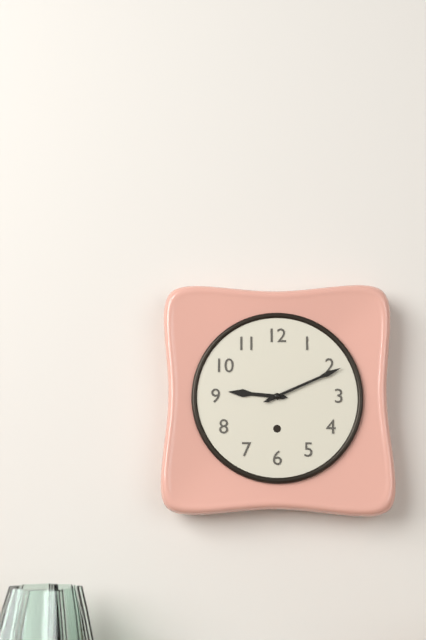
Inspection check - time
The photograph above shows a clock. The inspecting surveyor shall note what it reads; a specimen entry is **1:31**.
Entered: **9:11**
